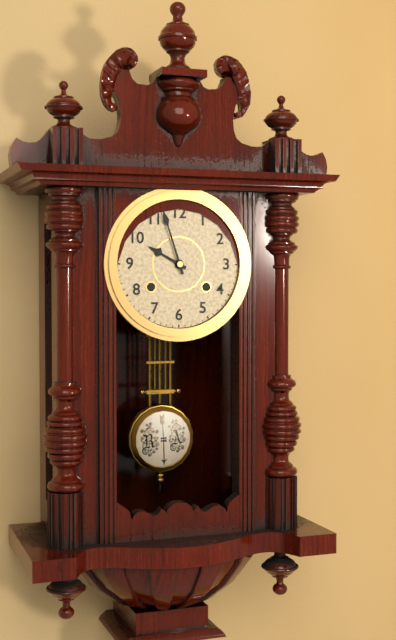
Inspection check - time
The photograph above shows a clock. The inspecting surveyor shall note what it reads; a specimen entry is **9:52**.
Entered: **9:57**
